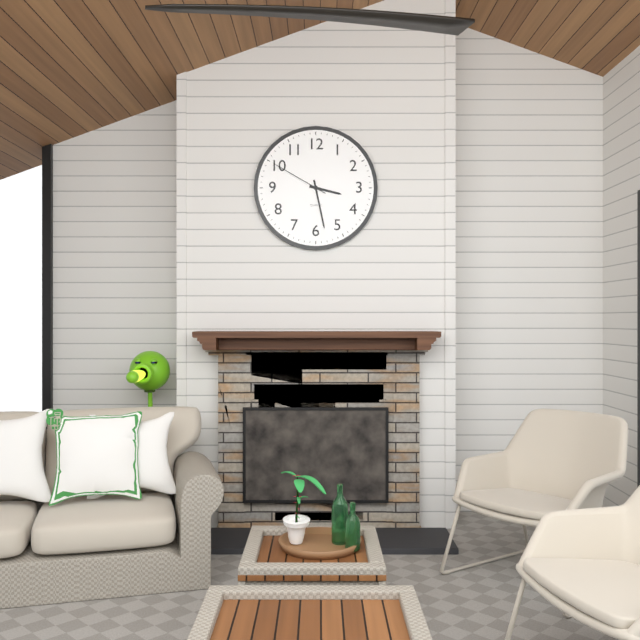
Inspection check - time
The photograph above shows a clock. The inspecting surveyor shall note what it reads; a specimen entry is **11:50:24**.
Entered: **3:28:50**
